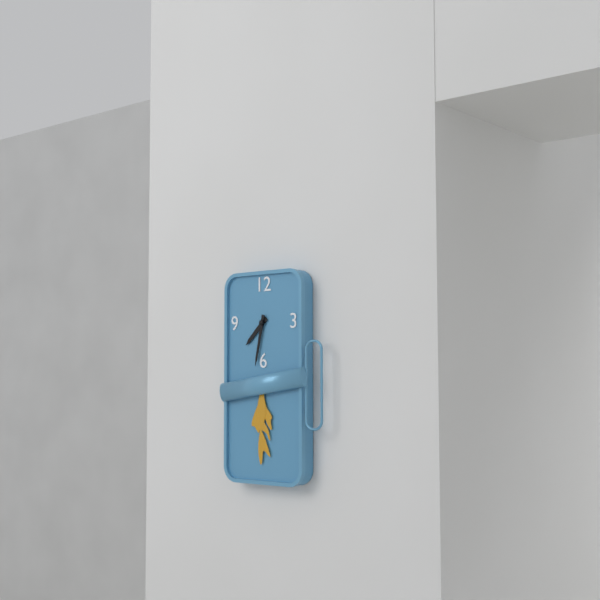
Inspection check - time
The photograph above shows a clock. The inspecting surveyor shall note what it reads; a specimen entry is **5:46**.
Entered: **7:32**
